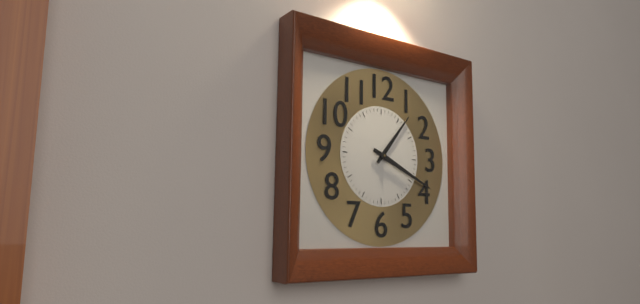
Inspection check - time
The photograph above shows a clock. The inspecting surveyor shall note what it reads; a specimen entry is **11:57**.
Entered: **1:19**
